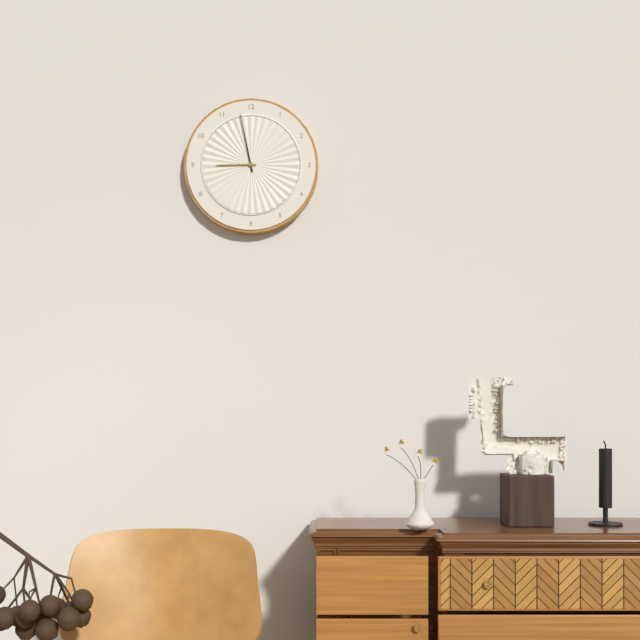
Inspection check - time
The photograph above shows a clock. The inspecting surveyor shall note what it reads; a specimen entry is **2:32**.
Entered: **8:58**
